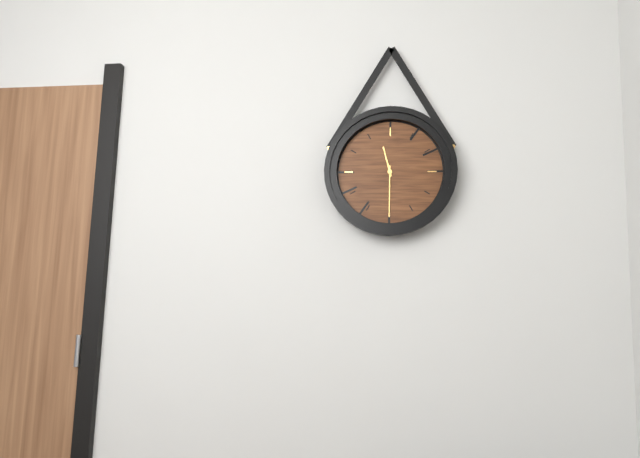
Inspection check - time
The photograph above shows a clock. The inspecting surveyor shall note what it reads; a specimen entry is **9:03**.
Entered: **11:30**
